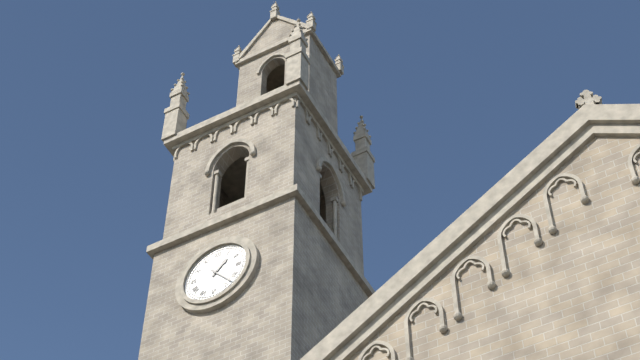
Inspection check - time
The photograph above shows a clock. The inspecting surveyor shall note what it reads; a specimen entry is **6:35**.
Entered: **1:23**
